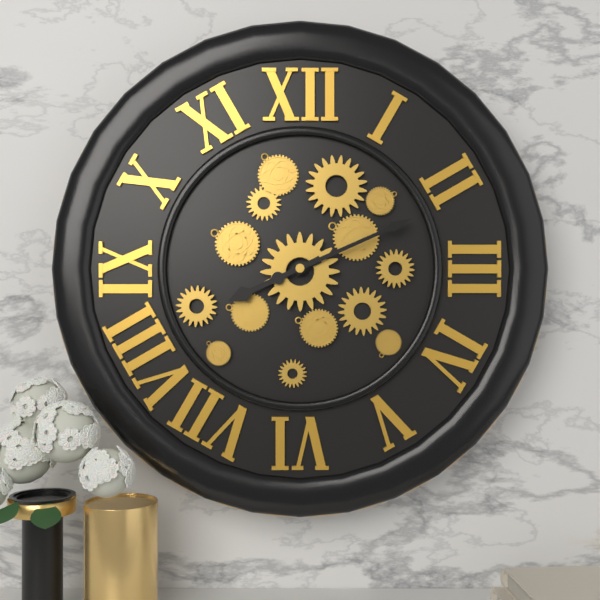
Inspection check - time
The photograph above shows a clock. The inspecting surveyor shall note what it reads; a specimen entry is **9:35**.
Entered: **8:11**
